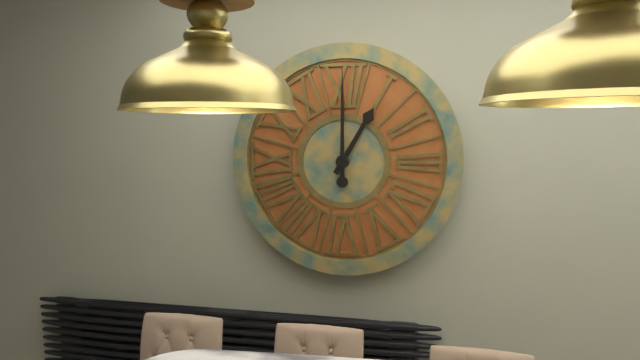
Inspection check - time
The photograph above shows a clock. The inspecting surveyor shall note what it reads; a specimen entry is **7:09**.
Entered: **1:00**
